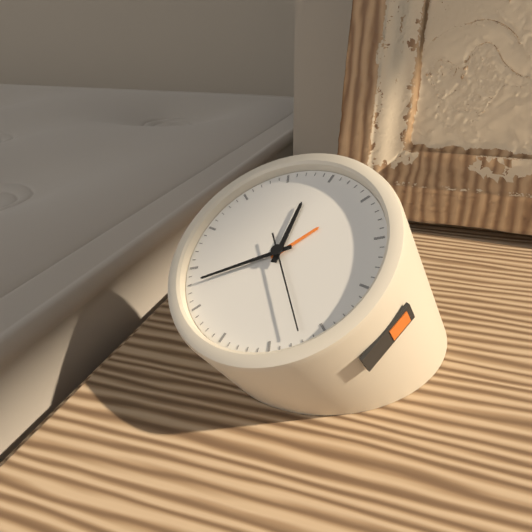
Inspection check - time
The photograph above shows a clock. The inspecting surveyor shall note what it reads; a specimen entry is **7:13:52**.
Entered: **11:38:22**
